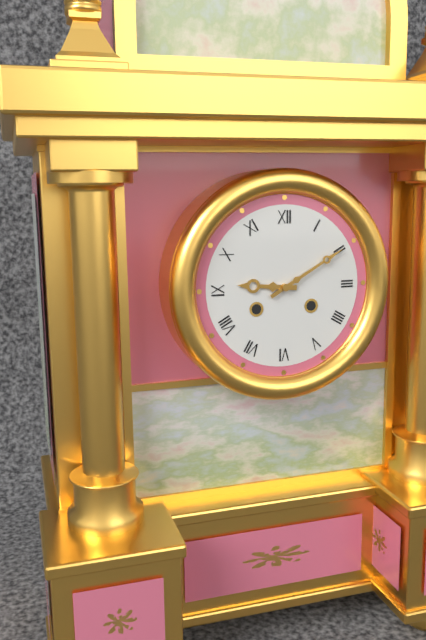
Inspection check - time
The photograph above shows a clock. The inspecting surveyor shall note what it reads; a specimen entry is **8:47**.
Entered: **9:10**
